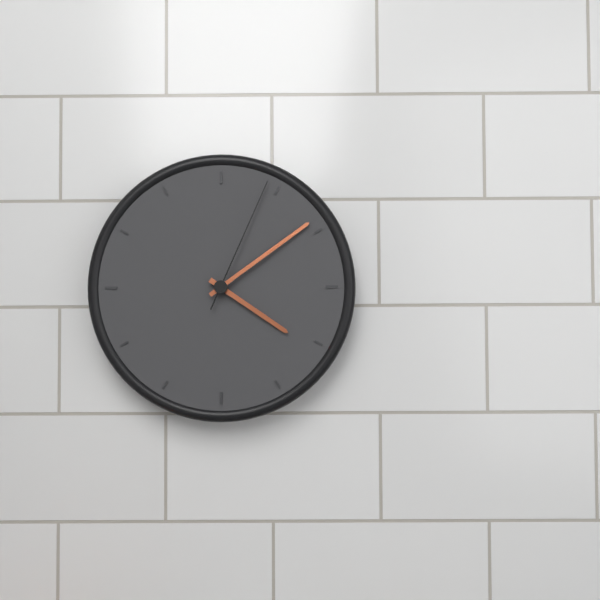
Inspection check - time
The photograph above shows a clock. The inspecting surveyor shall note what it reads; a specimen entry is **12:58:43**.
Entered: **4:09:04**
